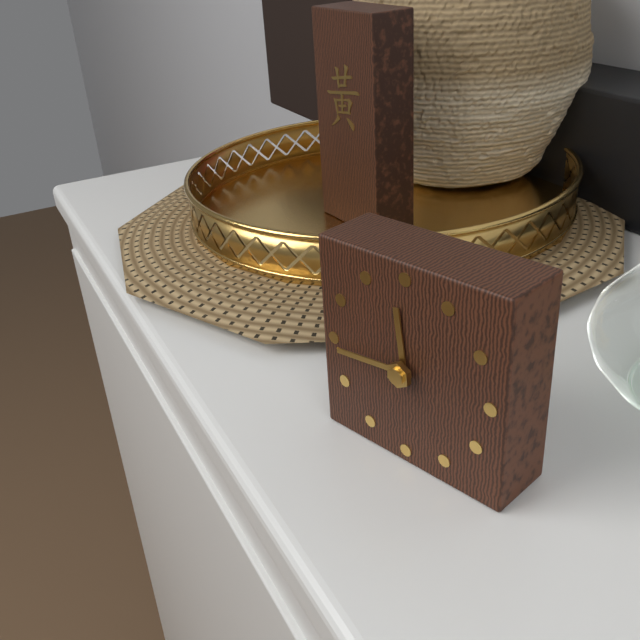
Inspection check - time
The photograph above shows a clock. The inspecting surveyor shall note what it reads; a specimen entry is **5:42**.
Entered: **11:44**
